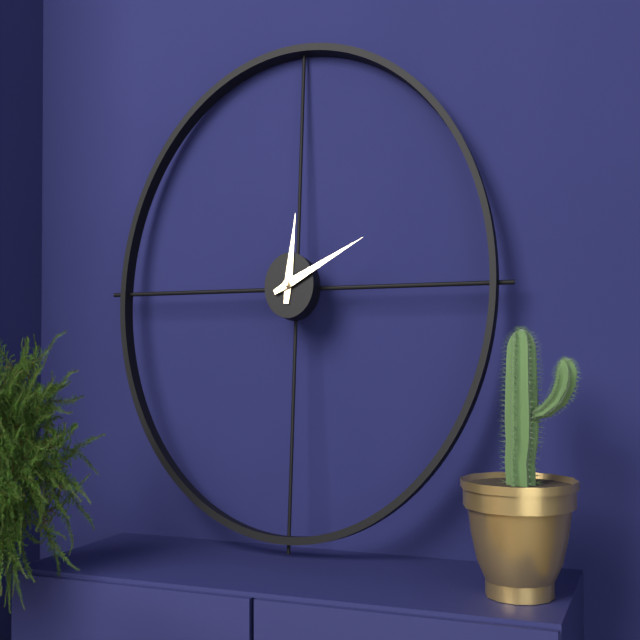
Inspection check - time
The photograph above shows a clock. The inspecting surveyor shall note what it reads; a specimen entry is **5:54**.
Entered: **12:11**
